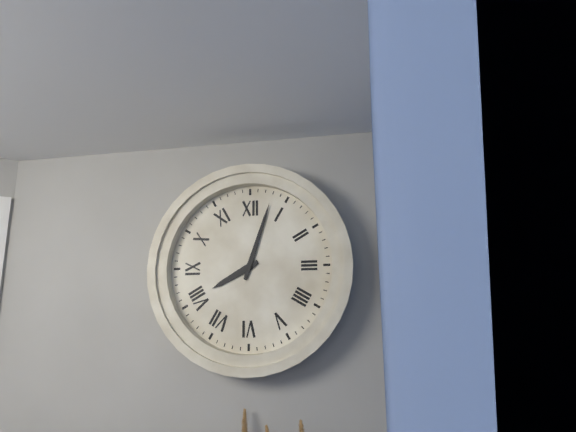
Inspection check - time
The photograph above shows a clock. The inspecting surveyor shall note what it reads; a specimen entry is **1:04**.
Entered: **8:03**
